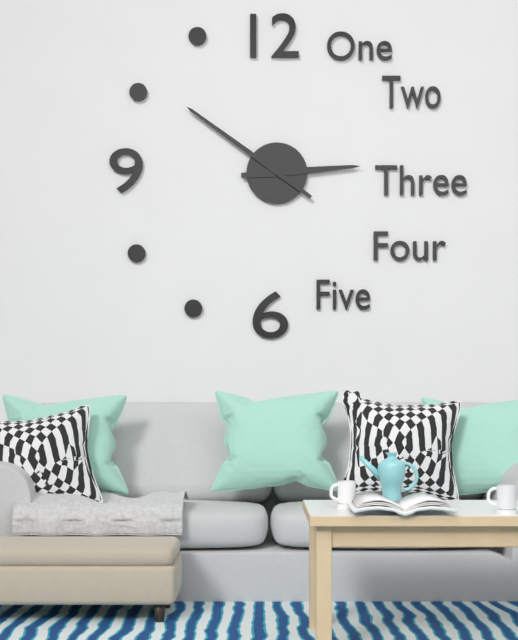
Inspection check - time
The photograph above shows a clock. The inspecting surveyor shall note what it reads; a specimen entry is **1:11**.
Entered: **2:51**
